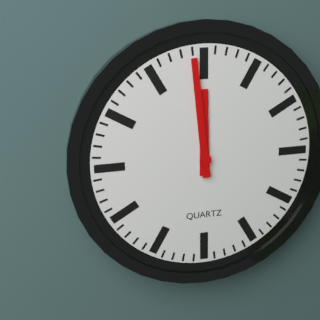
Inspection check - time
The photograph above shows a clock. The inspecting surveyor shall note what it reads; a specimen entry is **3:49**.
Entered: **11:59**
